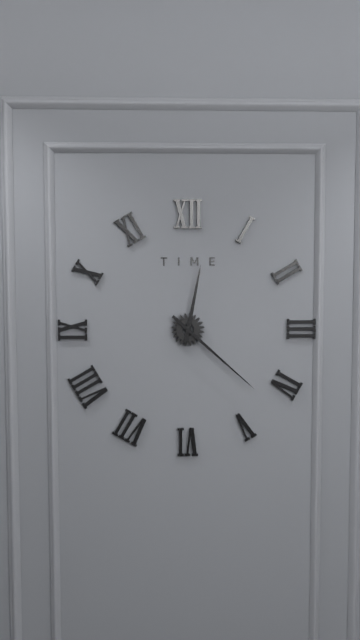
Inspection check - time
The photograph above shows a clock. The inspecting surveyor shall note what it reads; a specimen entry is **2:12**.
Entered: **12:22**
